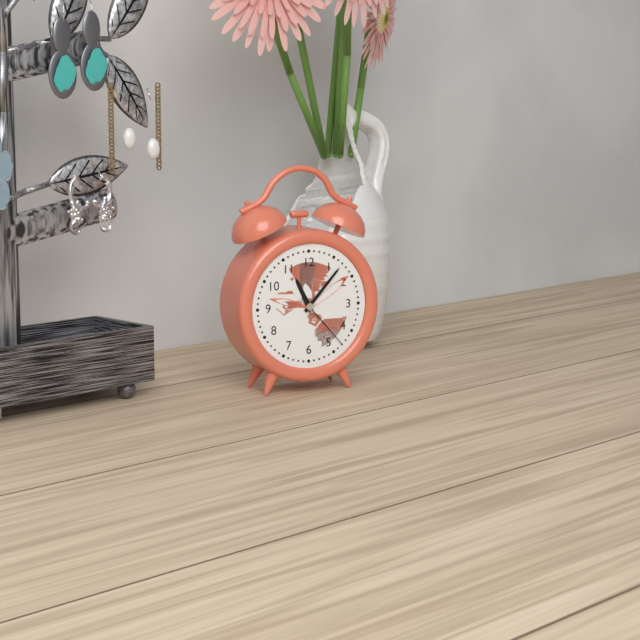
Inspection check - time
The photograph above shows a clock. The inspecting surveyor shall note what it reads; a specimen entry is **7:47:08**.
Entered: **11:07:23**
